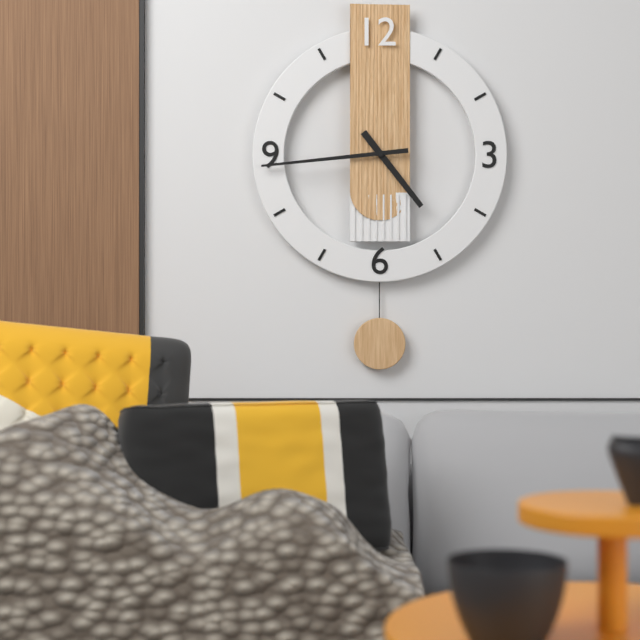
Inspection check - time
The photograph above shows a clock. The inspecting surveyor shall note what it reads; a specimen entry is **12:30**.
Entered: **4:44**
